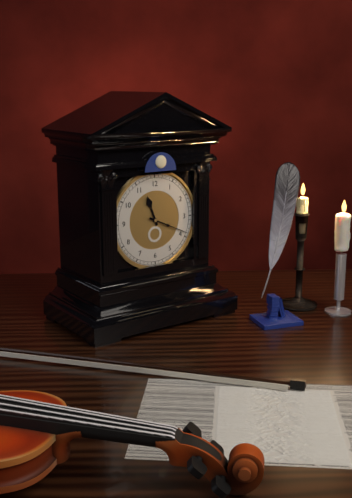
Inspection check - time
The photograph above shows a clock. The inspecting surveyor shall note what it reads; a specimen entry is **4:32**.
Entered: **11:19**
